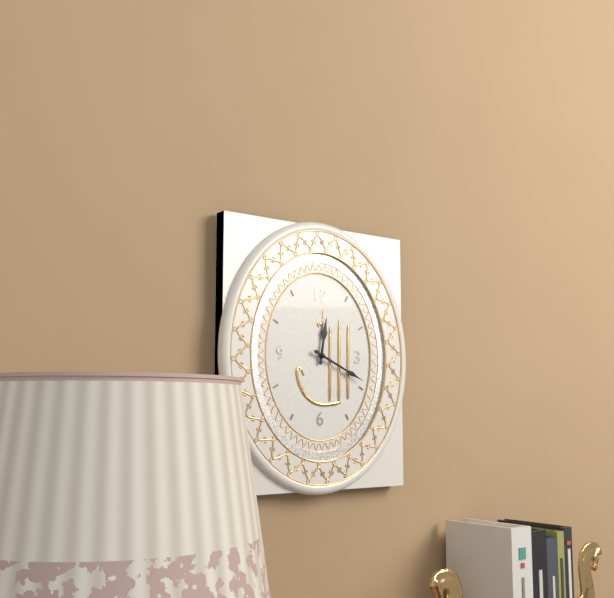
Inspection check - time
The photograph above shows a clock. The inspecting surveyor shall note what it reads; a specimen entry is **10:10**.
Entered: **12:19**
